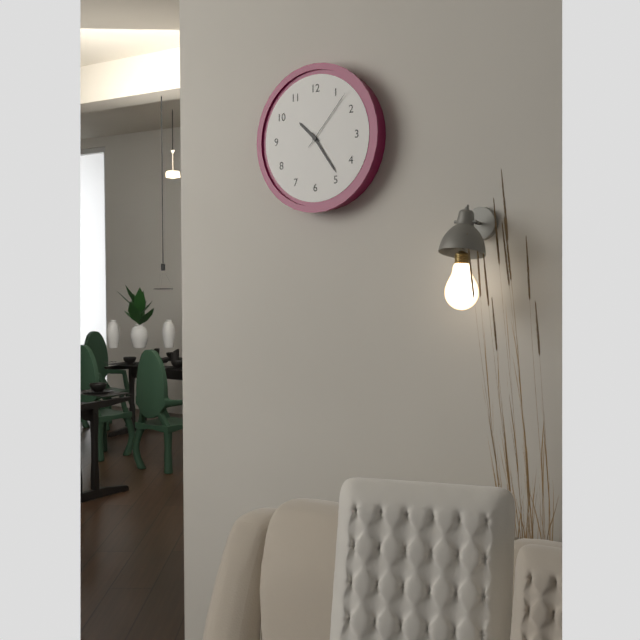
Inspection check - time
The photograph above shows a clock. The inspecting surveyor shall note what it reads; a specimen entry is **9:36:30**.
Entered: **10:24:07**
